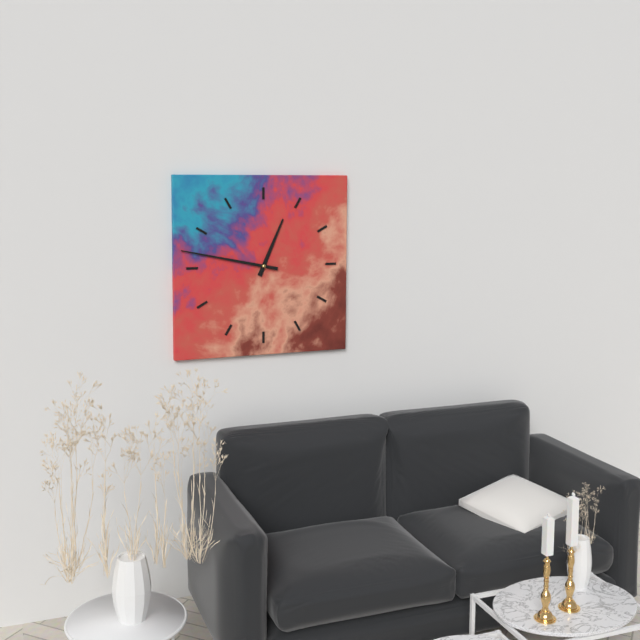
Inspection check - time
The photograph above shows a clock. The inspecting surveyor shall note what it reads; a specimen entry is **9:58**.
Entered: **12:47**
